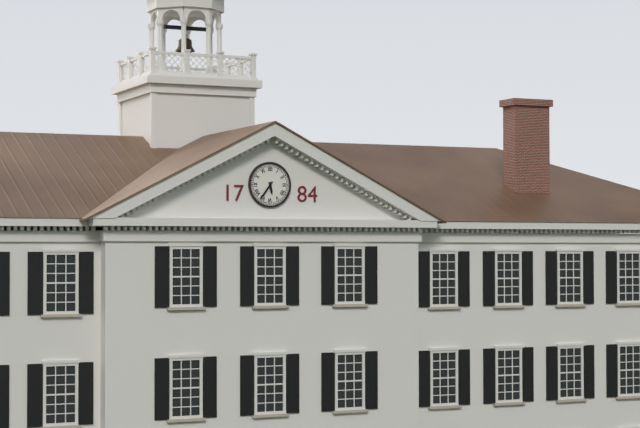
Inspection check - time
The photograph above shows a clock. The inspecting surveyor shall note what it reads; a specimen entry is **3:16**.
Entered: **5:36**
